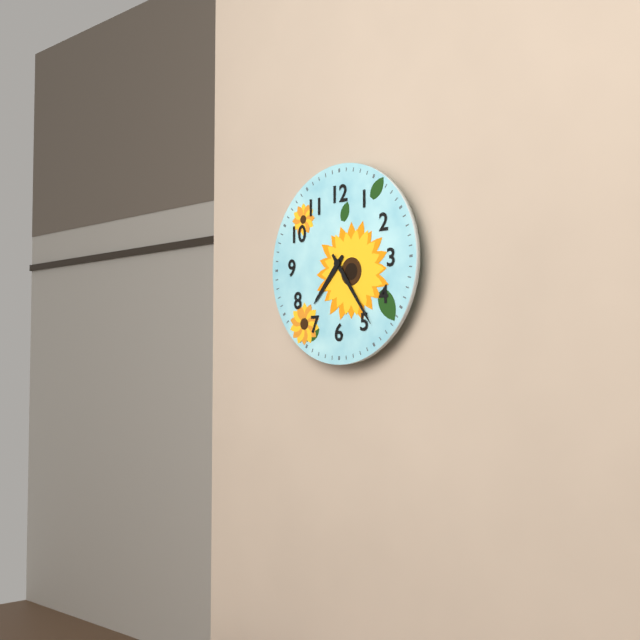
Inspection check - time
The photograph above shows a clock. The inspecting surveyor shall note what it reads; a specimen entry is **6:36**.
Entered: **7:24**
